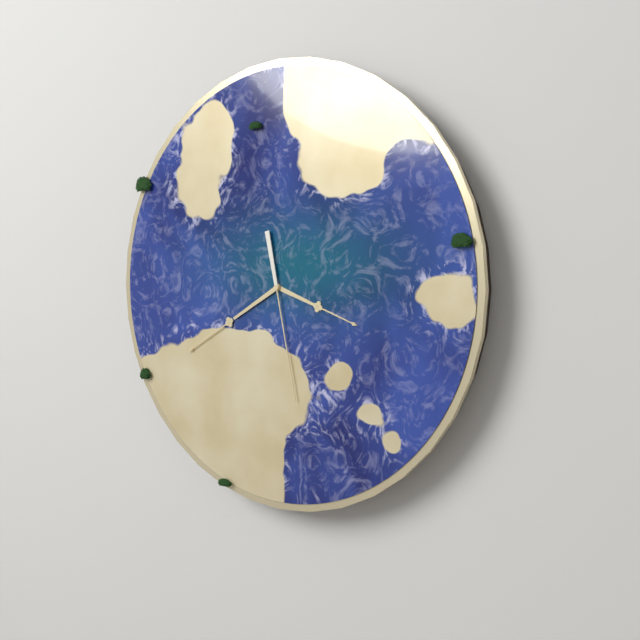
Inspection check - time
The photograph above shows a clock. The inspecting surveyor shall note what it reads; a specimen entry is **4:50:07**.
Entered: **3:40:28**
